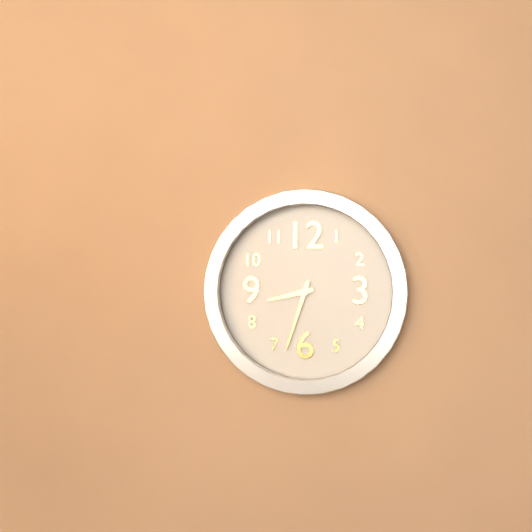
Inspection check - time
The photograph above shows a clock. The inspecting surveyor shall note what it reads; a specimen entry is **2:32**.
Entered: **8:33**
